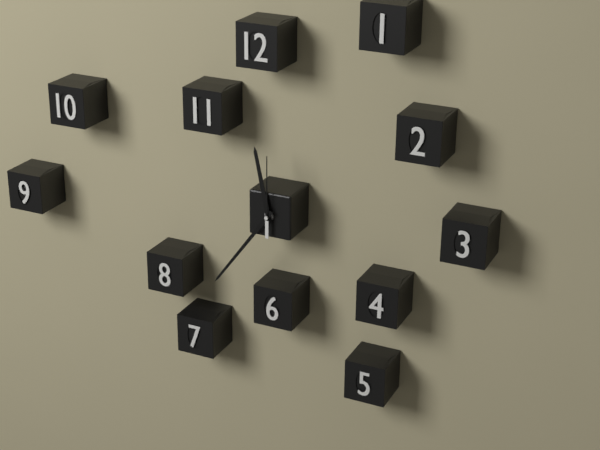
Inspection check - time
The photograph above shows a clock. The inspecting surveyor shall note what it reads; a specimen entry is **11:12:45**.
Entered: **11:36:00**
